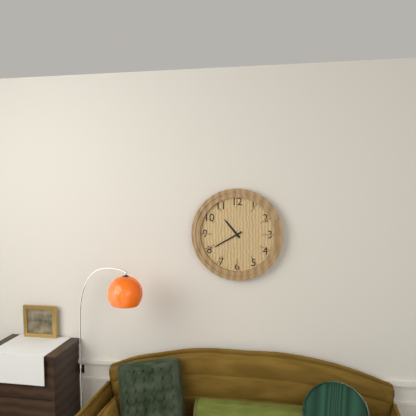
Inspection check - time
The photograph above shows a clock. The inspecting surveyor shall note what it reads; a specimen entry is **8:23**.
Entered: **10:40**
